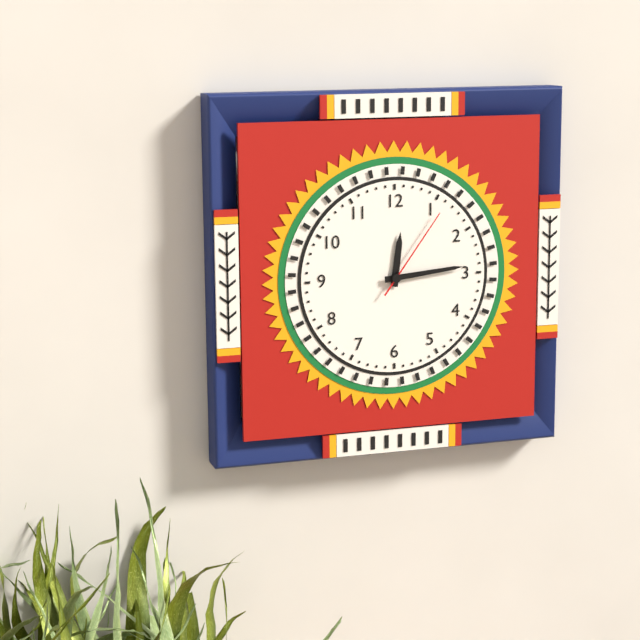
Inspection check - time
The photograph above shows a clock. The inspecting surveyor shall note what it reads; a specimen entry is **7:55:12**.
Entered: **12:14:06**
